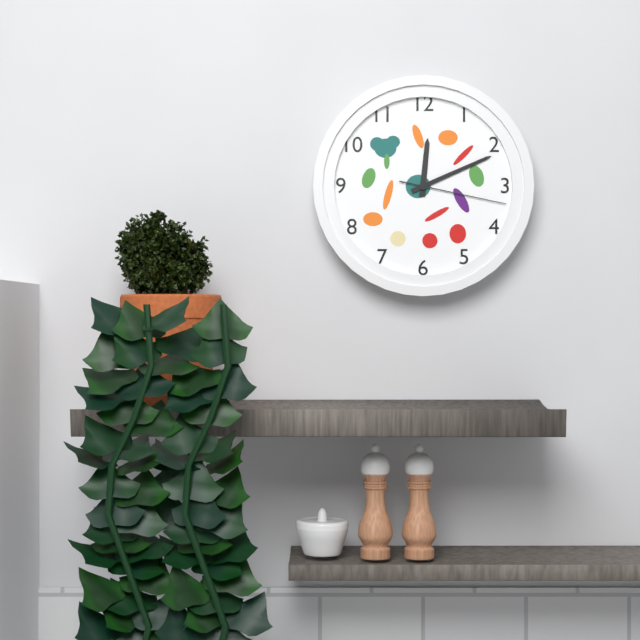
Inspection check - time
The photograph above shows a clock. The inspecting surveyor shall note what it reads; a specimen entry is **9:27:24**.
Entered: **12:11:17**
